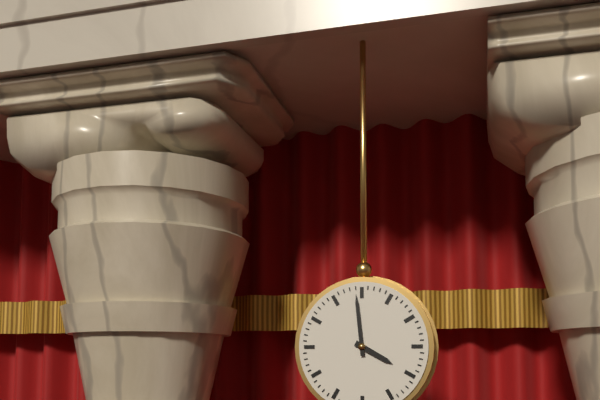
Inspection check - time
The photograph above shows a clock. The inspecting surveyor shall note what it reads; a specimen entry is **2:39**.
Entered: **3:59**
